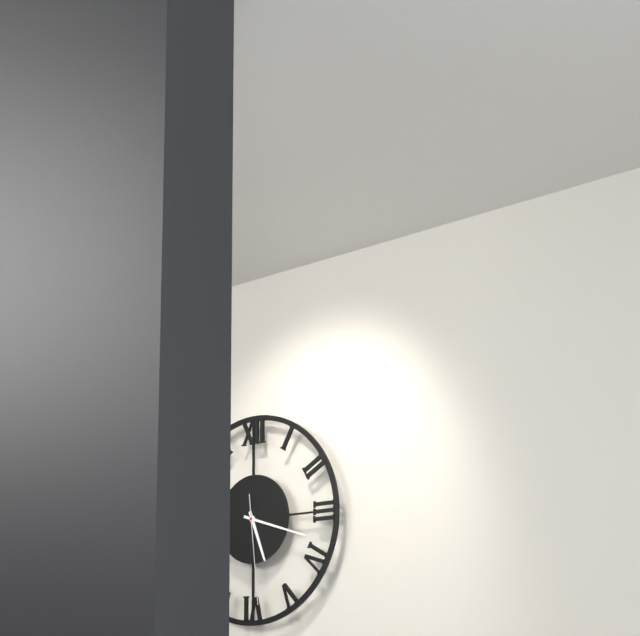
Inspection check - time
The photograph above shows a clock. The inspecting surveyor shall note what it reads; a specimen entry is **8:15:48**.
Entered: **5:18:29**
